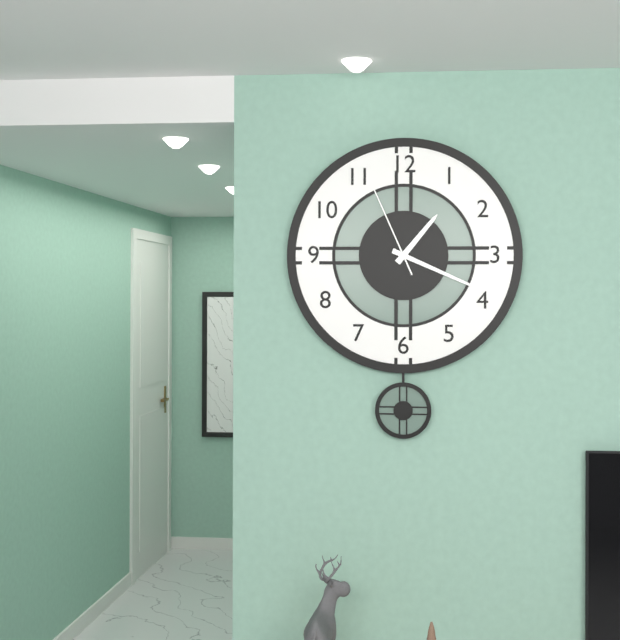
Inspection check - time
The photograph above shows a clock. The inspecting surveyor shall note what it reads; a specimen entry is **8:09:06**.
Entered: **1:19:56**
